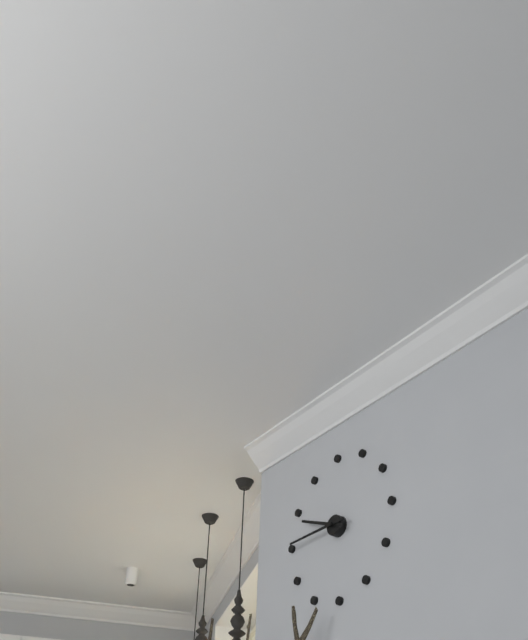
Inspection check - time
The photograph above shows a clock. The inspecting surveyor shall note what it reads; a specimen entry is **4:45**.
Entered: **9:45**
